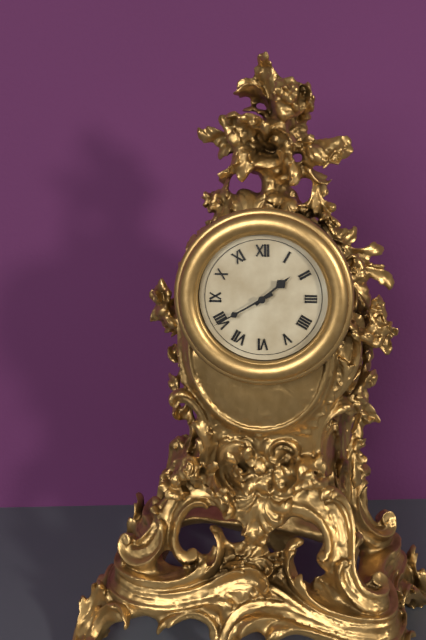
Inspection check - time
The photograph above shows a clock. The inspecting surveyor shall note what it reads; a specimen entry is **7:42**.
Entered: **1:40**
